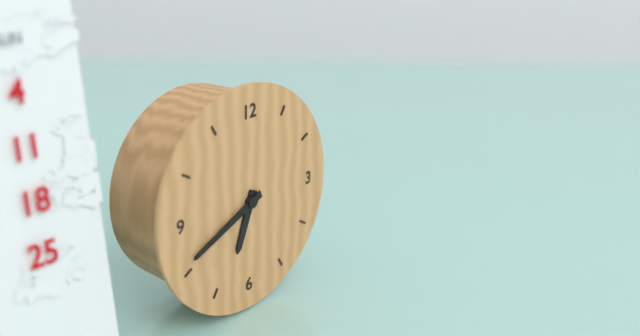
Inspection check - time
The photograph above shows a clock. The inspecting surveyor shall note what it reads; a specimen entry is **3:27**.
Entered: **6:41**
